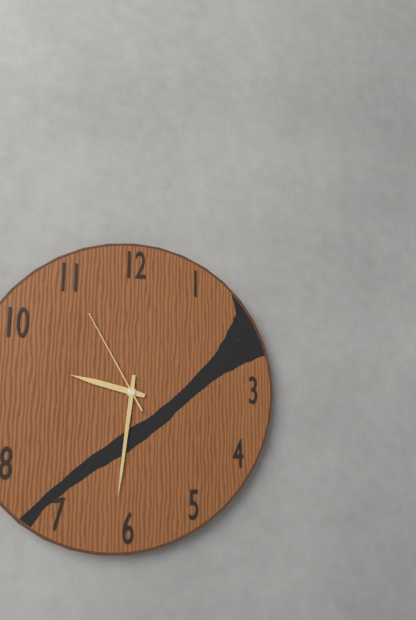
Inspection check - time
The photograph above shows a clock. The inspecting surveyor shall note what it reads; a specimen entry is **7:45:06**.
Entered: **9:31:55**
